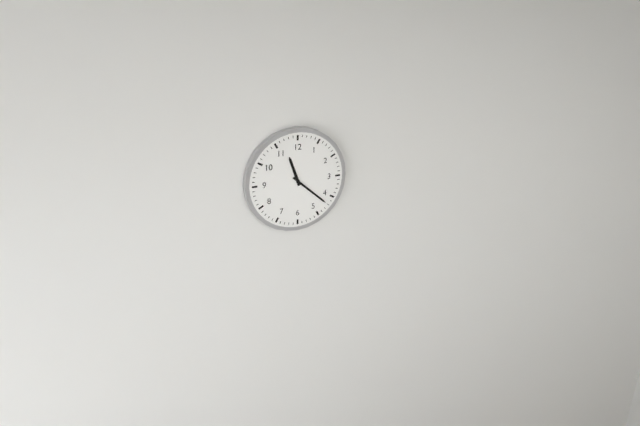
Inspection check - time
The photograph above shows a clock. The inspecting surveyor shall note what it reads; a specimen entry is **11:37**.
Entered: **11:22**
